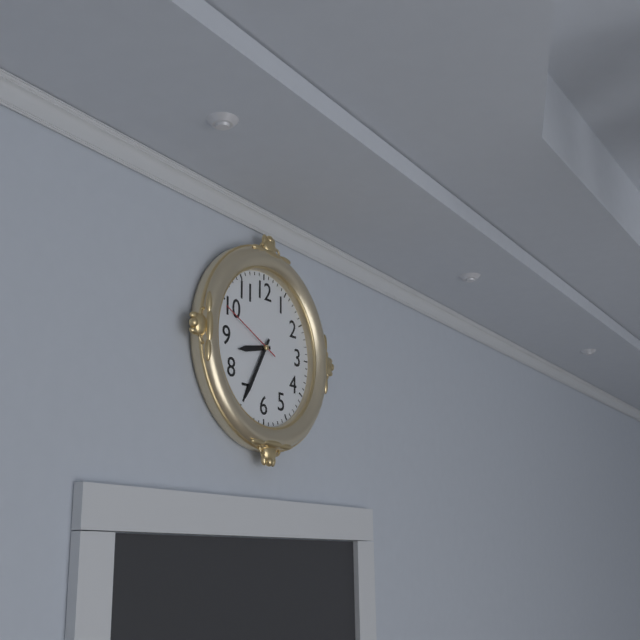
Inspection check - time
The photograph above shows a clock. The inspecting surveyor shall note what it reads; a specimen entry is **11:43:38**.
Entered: **8:35:49**
